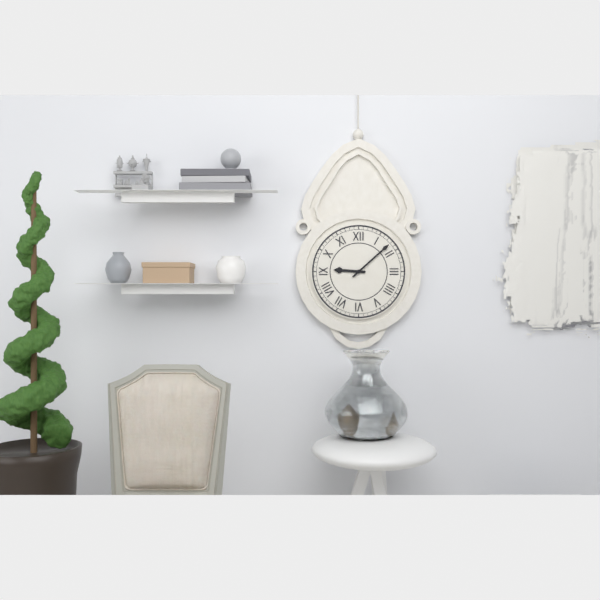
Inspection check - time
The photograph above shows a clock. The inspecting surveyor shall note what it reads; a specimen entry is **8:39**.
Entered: **9:08**
